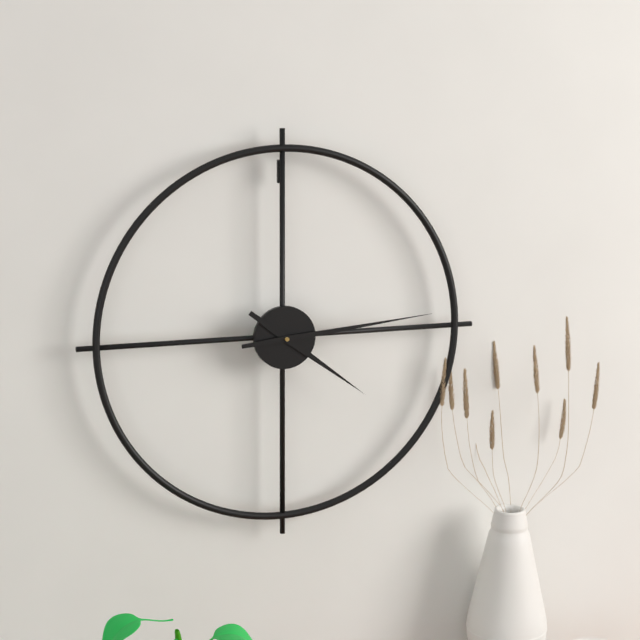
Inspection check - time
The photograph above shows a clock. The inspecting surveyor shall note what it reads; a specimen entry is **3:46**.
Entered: **4:14**
